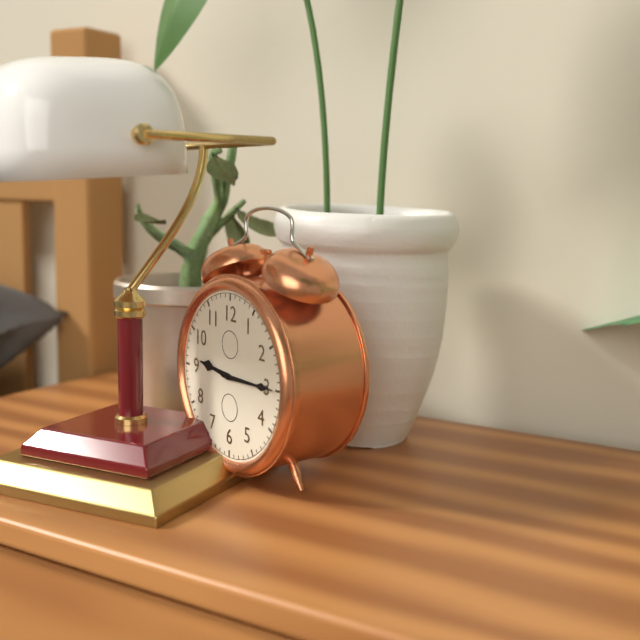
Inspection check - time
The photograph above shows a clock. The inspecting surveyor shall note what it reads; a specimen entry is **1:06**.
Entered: **9:15**
